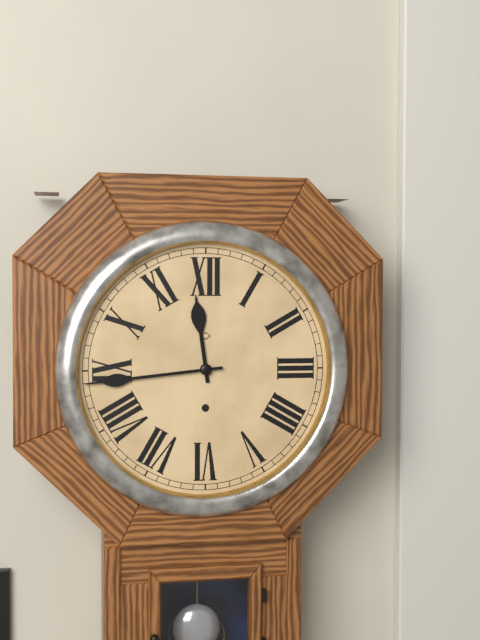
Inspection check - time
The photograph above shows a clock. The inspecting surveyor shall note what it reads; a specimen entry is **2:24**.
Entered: **11:44**
